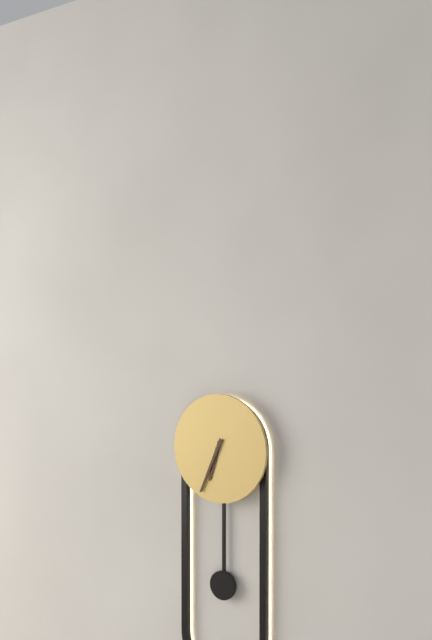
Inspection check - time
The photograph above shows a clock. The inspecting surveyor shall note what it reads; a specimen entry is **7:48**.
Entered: **6:34**
